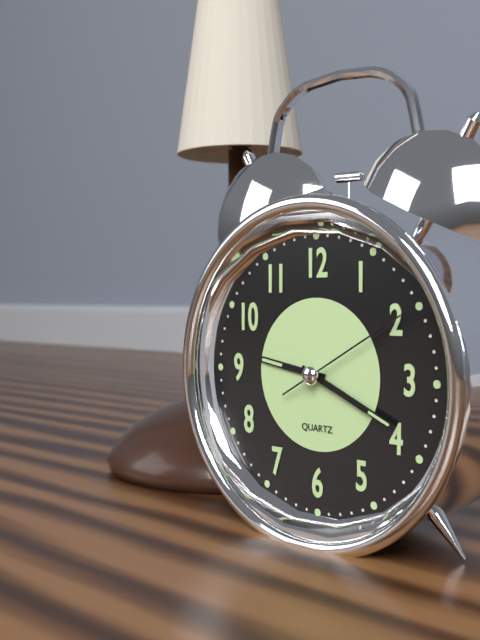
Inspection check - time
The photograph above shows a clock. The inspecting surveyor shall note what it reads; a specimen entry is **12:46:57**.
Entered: **9:19:10**
